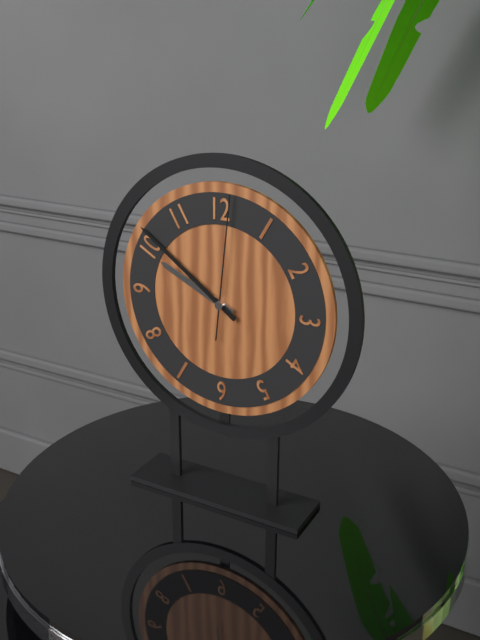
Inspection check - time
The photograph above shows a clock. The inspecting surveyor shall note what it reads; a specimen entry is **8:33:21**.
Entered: **9:51:01**
